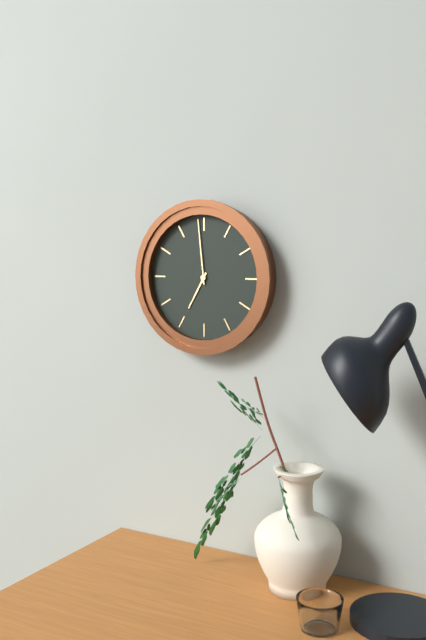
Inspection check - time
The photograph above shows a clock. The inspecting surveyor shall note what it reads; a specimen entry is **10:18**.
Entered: **6:59**
